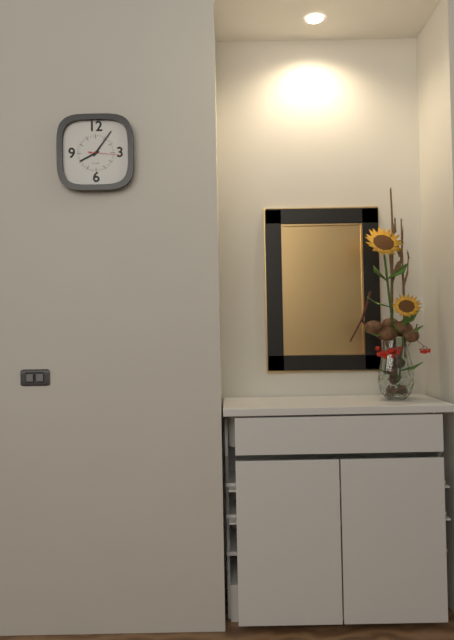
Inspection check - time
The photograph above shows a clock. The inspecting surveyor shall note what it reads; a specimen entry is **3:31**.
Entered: **8:06**
